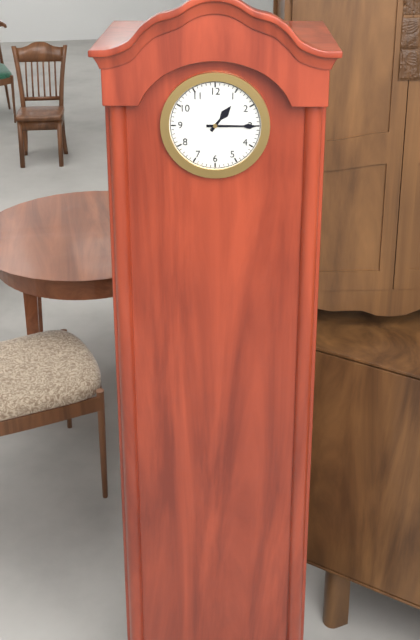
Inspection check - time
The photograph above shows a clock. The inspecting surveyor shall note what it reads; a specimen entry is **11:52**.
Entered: **1:15**
